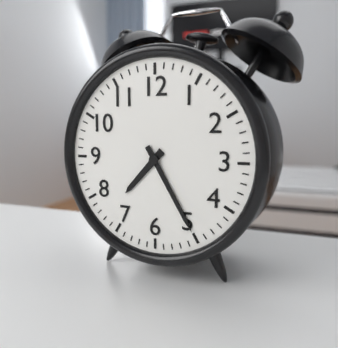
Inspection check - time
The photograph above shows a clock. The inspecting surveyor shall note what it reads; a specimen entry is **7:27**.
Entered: **7:25**
